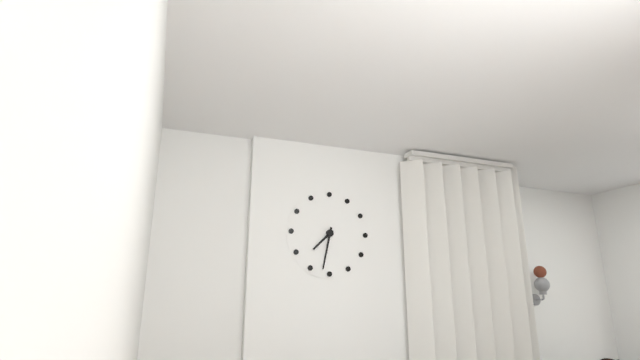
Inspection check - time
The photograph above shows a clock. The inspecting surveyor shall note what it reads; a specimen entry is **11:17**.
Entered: **7:32**
